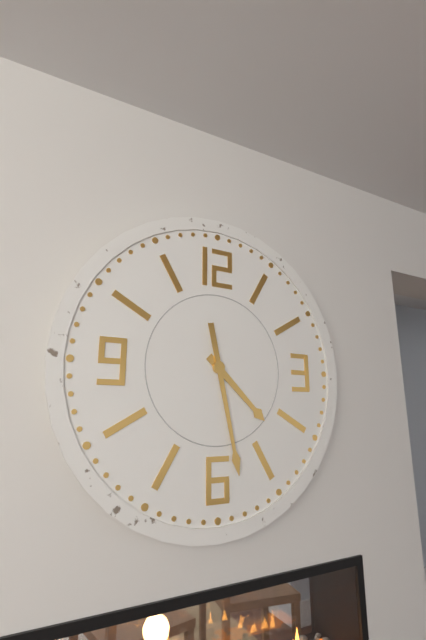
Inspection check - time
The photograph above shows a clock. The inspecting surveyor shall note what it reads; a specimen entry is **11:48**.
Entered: **4:28**
